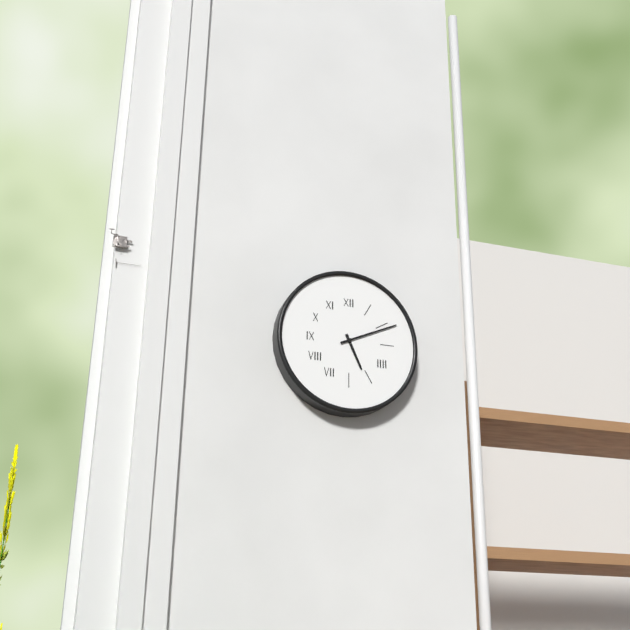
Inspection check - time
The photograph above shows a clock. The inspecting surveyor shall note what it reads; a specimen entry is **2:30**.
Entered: **5:11**
